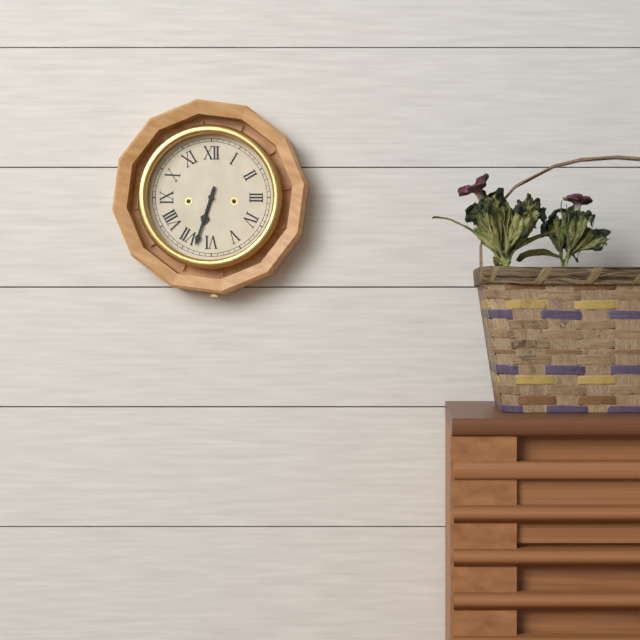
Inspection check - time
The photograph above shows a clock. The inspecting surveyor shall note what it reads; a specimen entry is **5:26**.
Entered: **6:33**
